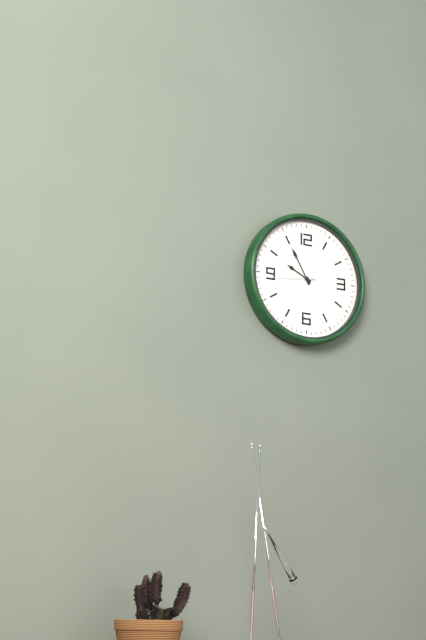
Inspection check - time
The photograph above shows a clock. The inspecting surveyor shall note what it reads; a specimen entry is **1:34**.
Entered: **9:55**
